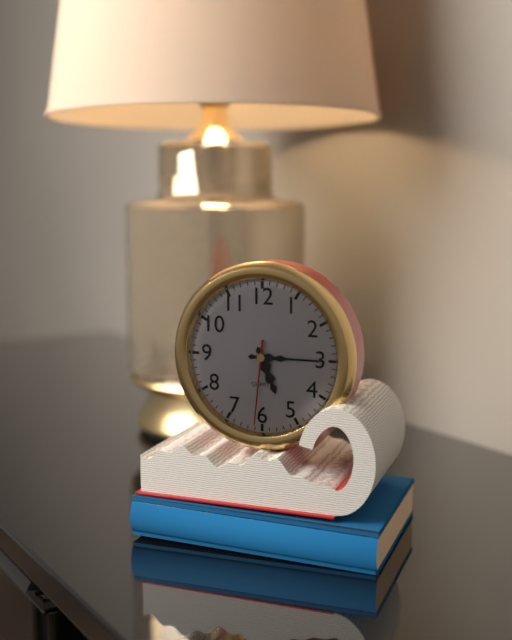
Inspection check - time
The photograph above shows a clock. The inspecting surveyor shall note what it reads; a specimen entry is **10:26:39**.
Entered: **5:15:31**
